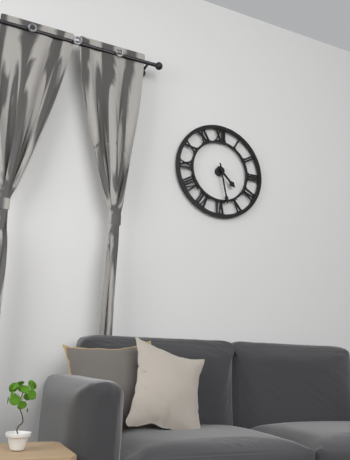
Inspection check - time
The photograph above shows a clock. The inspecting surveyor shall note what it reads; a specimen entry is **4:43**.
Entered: **4:28**
